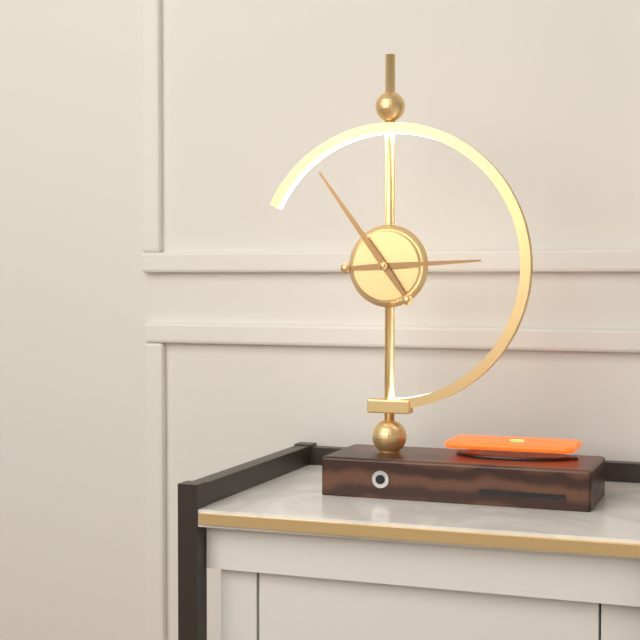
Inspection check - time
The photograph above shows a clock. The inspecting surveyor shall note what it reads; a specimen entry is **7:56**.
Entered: **2:54**
